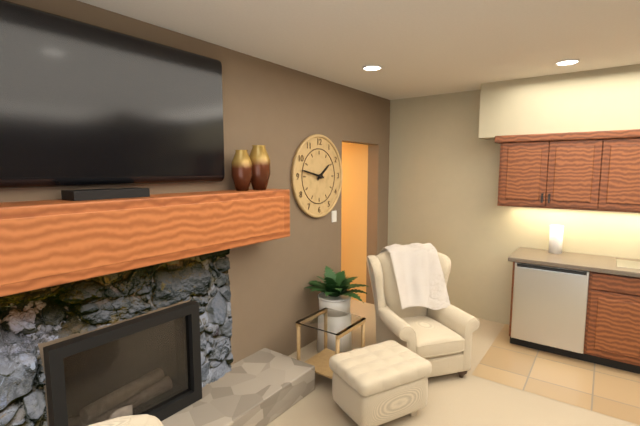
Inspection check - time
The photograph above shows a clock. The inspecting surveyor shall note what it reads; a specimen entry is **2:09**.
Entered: **1:47**
